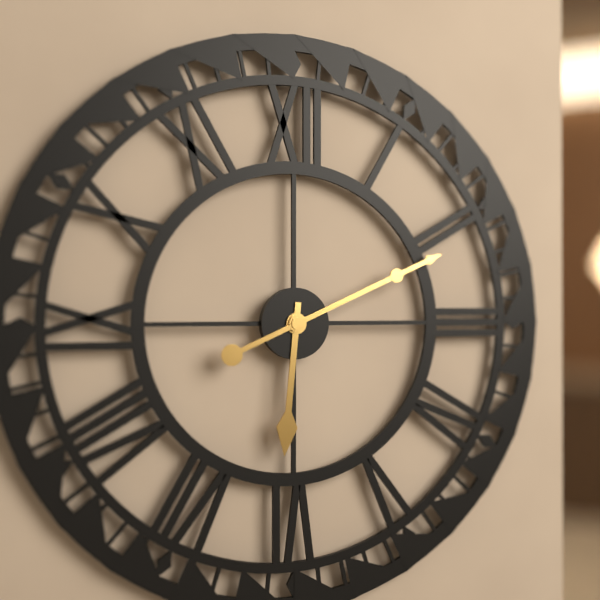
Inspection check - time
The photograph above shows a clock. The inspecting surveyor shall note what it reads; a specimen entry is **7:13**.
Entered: **6:11**
